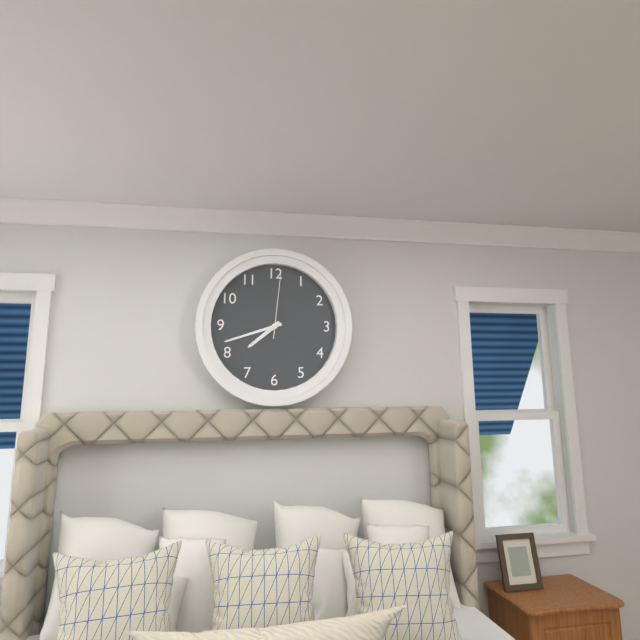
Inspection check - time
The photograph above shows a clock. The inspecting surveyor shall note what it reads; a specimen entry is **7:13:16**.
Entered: **7:42:01**
